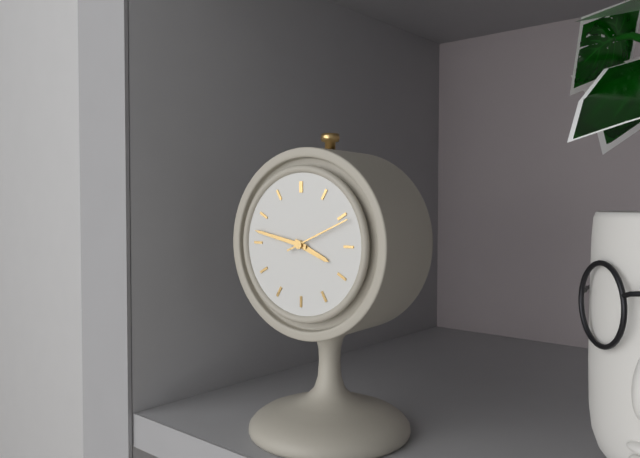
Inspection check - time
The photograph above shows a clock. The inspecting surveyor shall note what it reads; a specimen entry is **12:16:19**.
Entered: **3:47:11**
